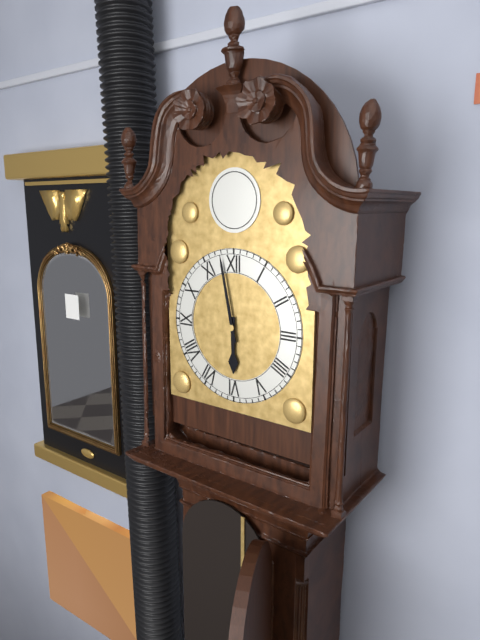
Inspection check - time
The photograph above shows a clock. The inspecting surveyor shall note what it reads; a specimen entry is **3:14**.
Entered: **5:58**
